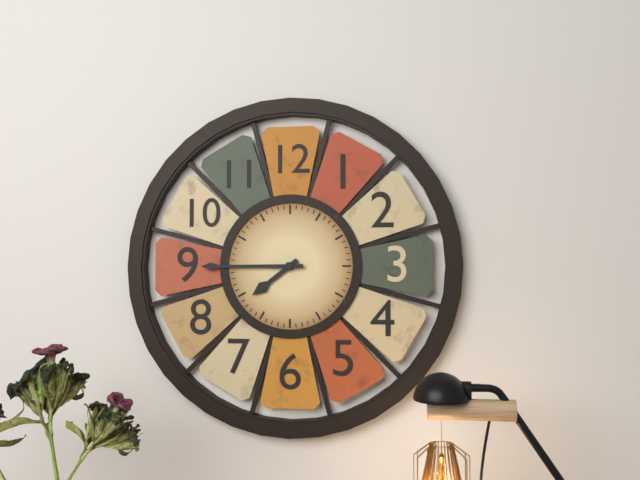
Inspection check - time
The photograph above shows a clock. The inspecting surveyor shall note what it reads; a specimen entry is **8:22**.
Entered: **7:45**
